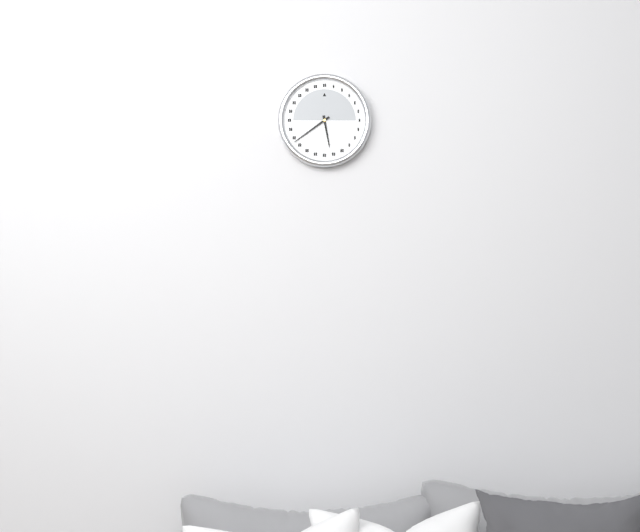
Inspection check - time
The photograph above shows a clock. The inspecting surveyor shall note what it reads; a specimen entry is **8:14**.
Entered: **5:39**
